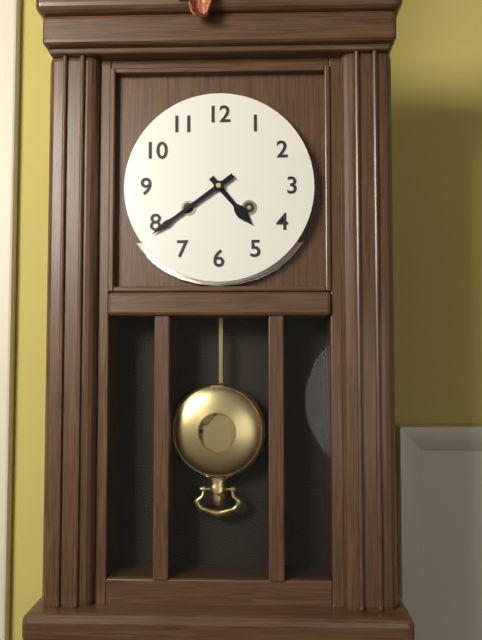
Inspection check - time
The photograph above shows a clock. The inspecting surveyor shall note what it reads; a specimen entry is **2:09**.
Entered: **4:39**
